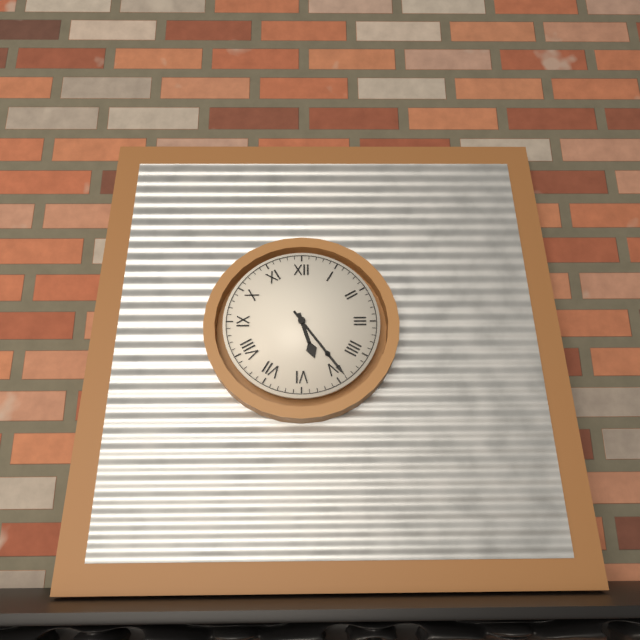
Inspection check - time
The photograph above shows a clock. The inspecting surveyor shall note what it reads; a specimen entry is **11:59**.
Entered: **5:24**
